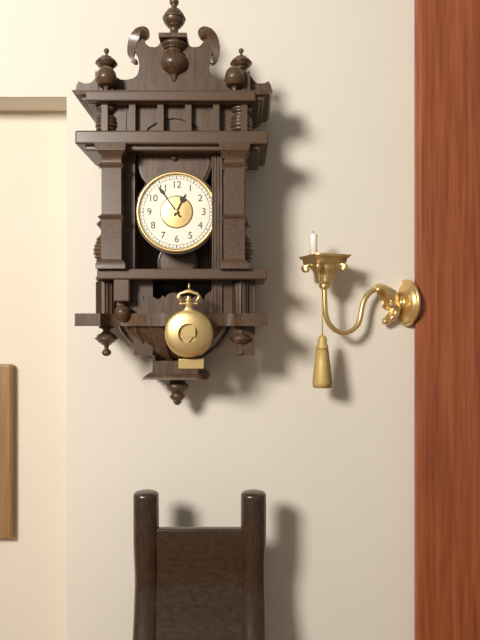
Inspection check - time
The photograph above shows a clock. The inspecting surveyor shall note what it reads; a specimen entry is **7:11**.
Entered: **12:54**
